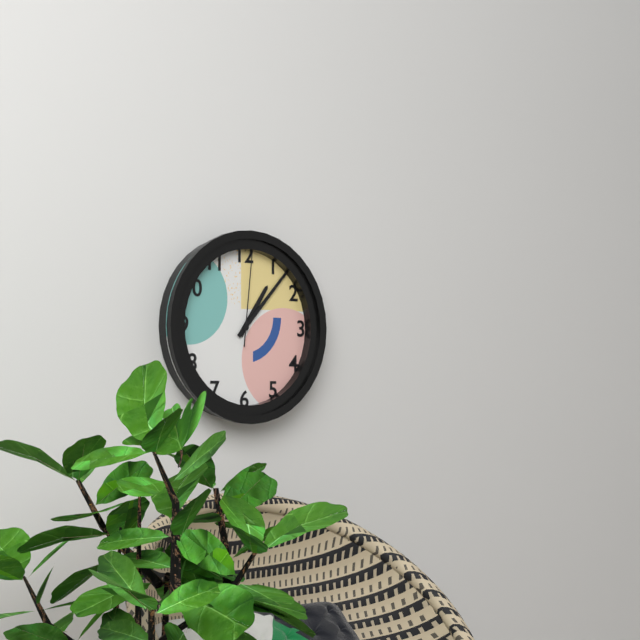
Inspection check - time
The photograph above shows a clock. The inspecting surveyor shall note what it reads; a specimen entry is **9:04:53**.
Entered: **1:07:01**
